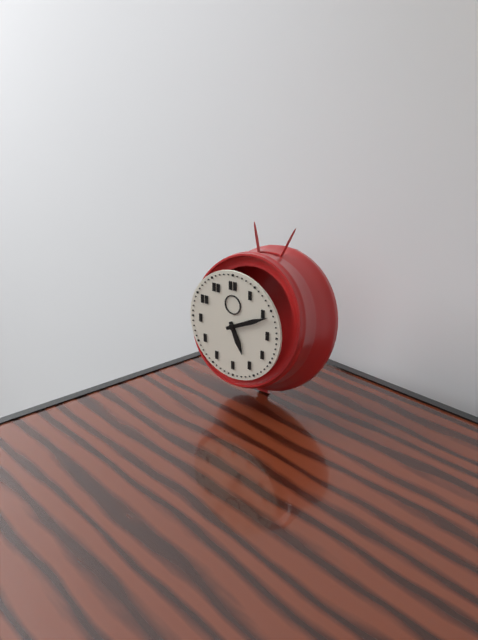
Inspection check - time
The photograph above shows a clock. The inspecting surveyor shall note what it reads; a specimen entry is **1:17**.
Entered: **5:11**
